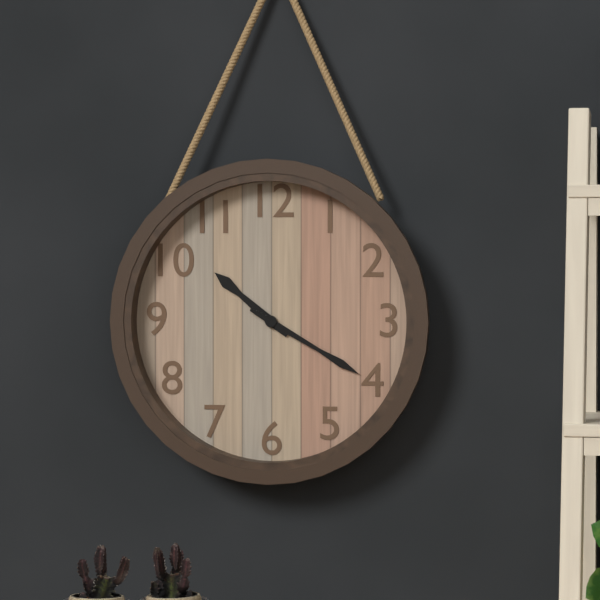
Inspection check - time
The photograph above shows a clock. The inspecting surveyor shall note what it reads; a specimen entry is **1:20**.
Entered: **10:20**
